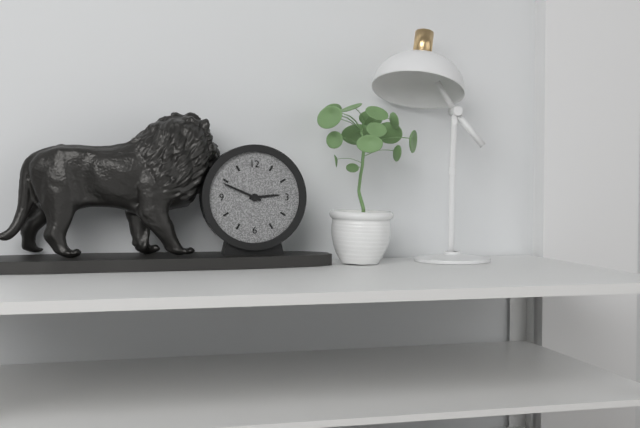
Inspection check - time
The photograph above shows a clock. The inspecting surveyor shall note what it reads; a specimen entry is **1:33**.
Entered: **2:49**
